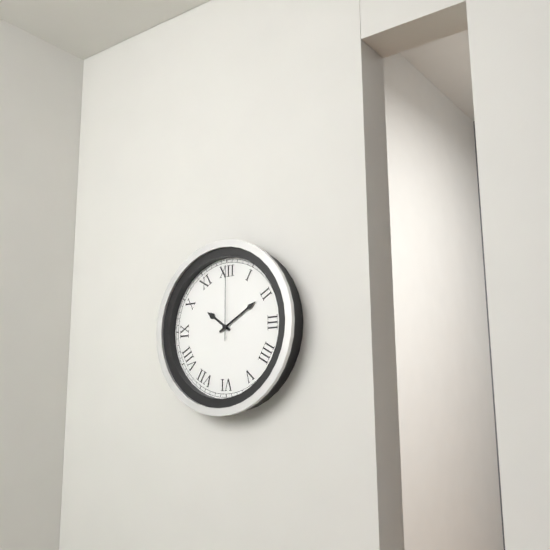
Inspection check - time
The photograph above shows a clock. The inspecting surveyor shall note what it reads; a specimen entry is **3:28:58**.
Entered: **10:10:00**
